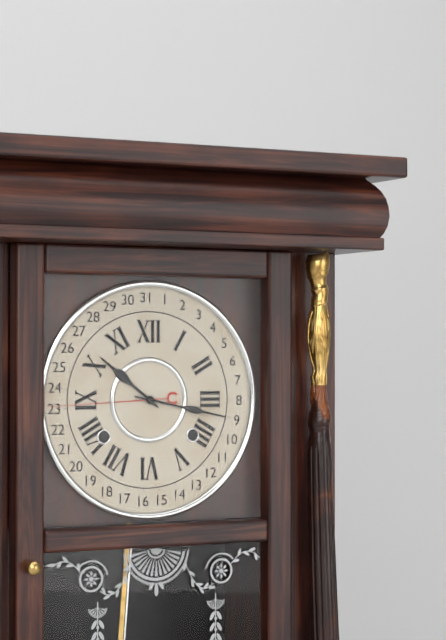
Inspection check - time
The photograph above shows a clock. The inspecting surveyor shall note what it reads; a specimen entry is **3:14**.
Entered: **10:17**
